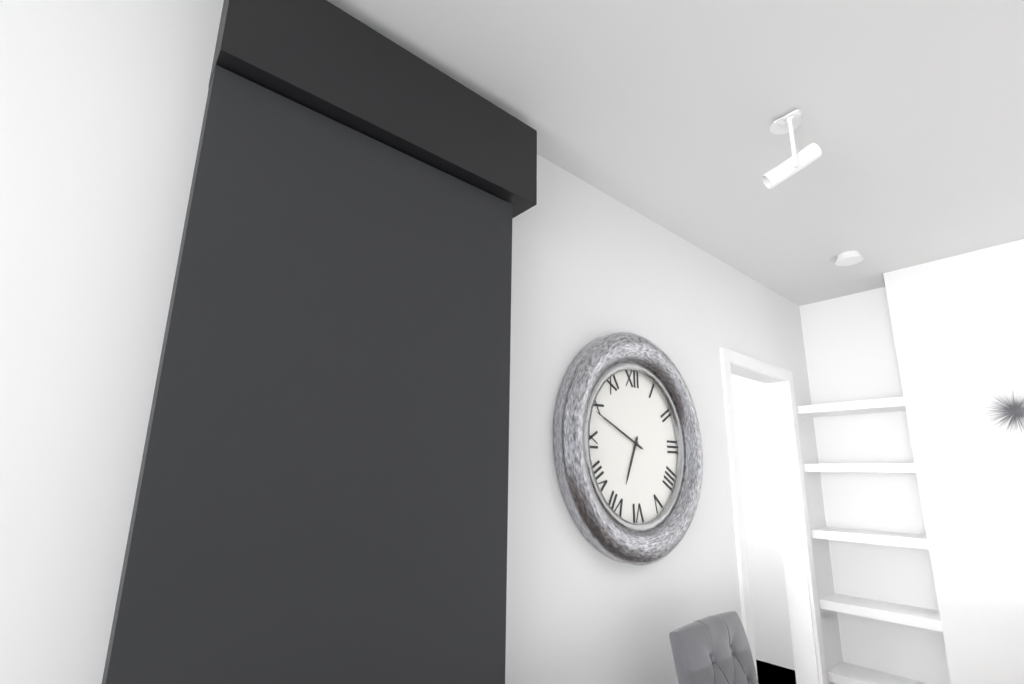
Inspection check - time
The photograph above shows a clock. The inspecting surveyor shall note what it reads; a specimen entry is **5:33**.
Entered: **6:49**
